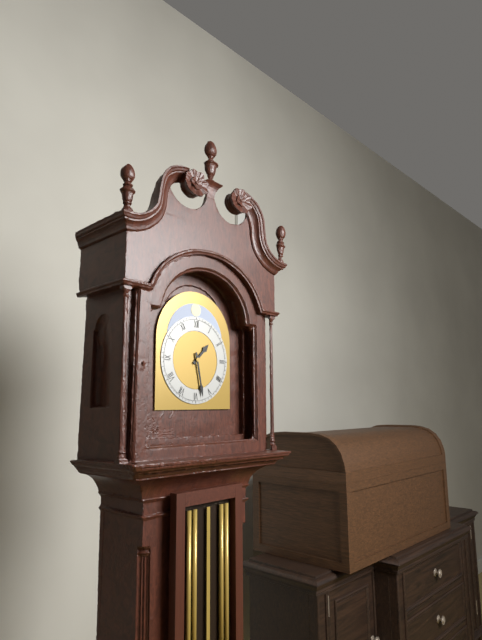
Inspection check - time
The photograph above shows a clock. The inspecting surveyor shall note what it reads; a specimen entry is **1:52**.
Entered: **1:28**
